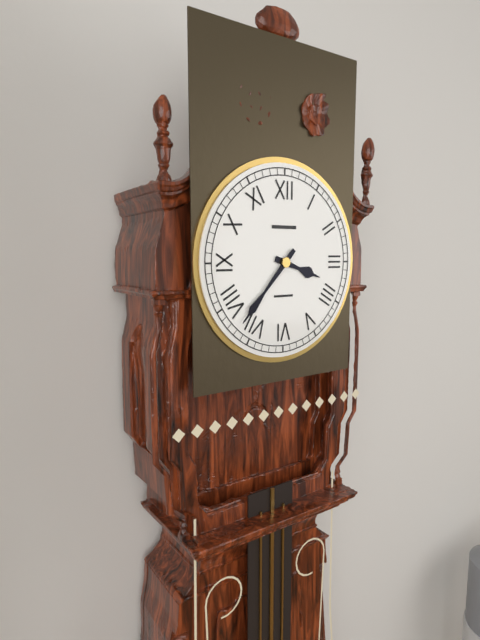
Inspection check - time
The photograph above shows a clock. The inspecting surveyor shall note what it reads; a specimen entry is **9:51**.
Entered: **3:37**
